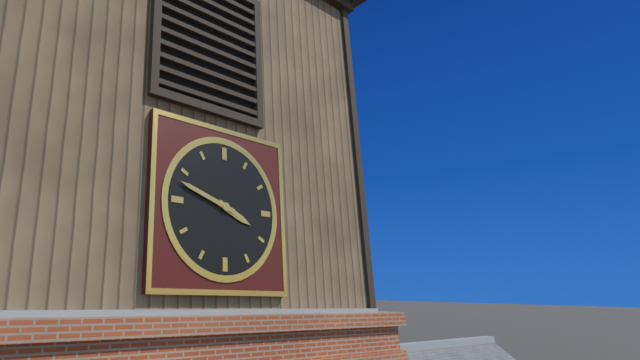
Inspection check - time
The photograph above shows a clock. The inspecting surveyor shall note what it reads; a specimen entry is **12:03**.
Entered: **3:48**
